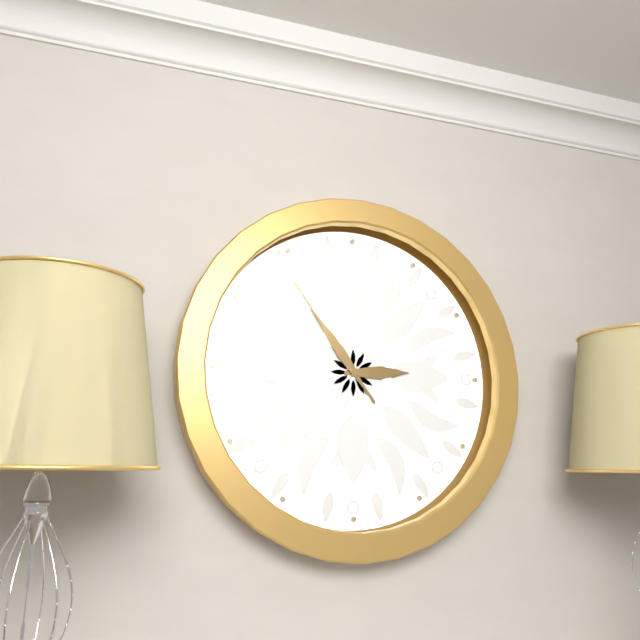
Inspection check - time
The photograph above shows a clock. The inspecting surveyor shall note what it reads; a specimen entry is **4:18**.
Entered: **2:54**
